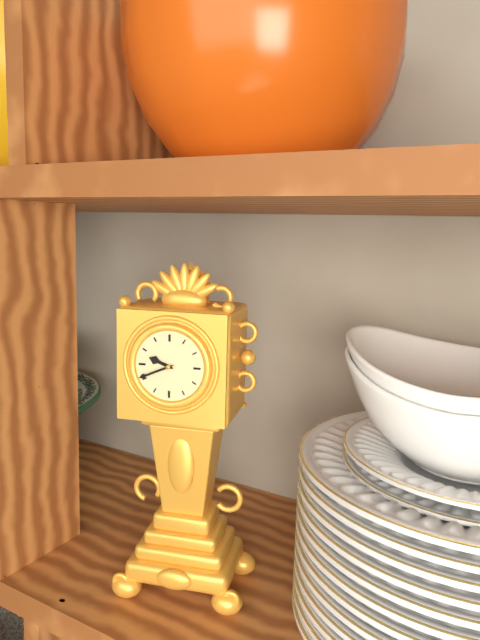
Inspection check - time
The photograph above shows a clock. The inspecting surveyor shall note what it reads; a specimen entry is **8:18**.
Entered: **9:41**
